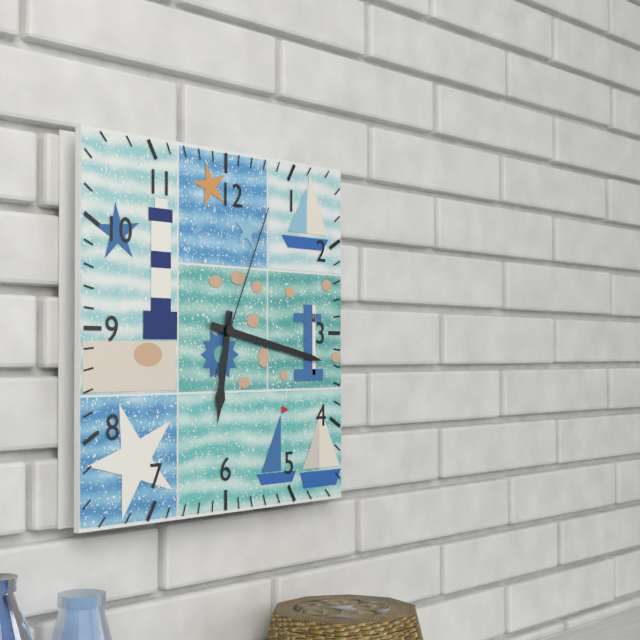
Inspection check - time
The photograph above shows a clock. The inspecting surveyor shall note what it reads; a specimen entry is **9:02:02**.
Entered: **6:17:04**
